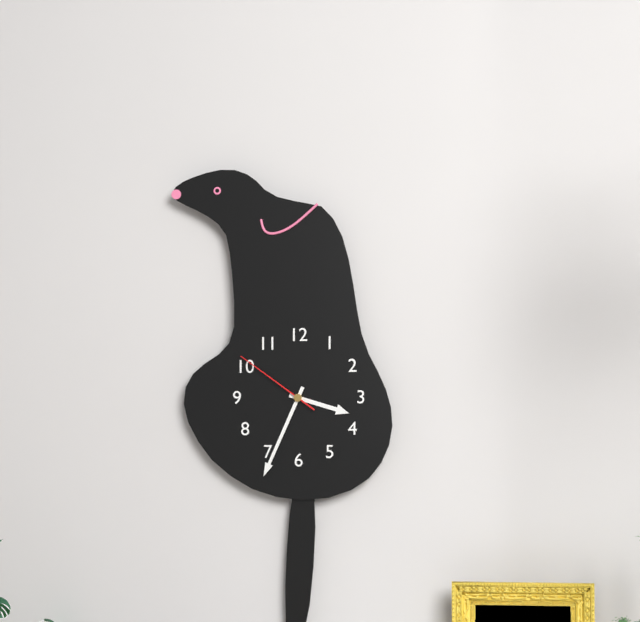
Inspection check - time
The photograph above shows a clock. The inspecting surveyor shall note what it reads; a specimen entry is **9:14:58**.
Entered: **3:34:51**
